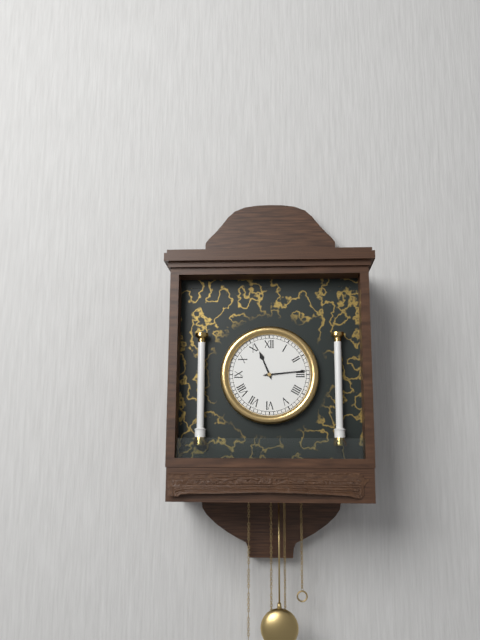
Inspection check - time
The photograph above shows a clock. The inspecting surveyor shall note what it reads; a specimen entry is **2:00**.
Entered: **11:14**
